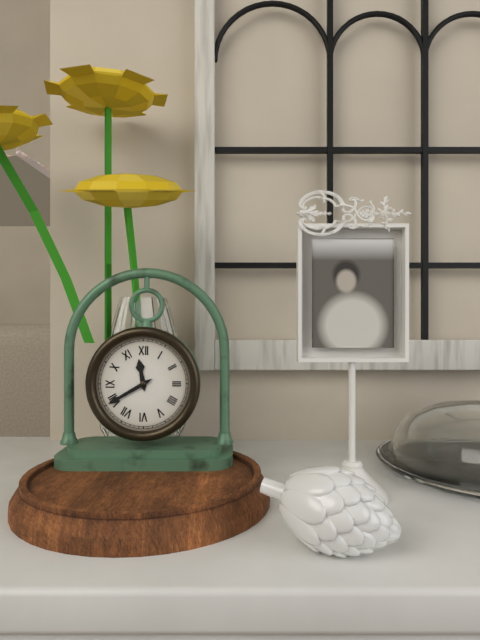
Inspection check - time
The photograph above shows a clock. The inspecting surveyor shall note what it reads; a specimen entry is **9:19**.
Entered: **11:40**
